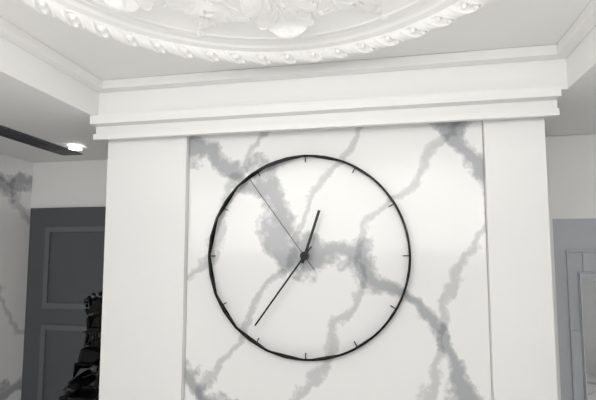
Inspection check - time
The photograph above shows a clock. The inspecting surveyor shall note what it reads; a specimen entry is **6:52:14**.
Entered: **12:36:54**
